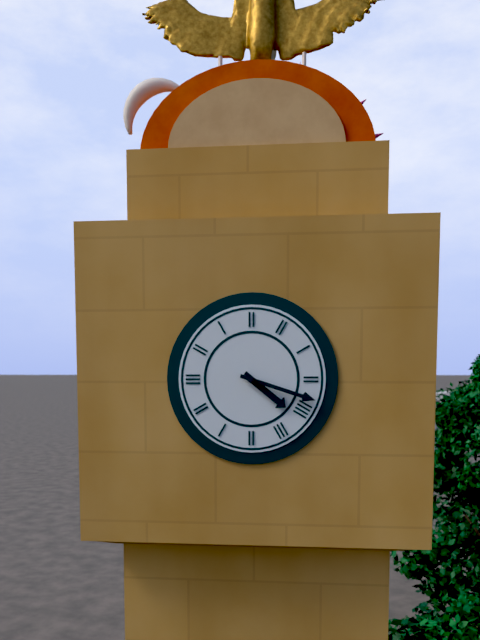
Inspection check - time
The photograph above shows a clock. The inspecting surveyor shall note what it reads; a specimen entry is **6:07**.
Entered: **4:18**
